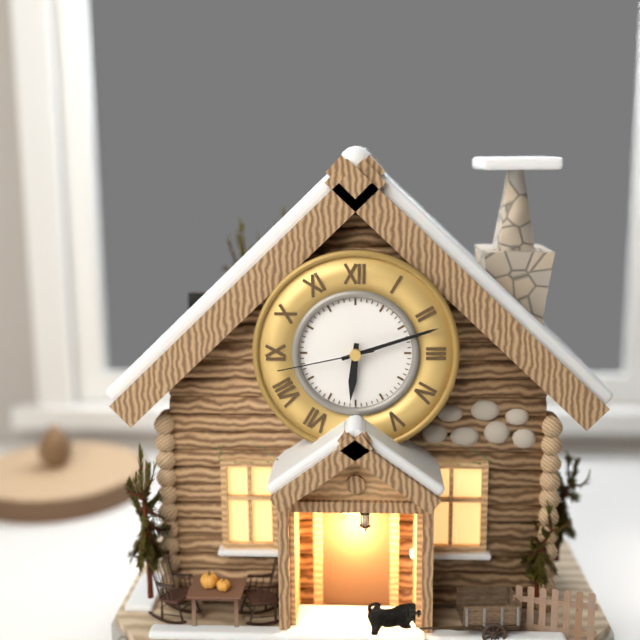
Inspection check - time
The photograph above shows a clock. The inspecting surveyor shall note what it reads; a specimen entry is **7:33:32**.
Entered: **6:12:43**
